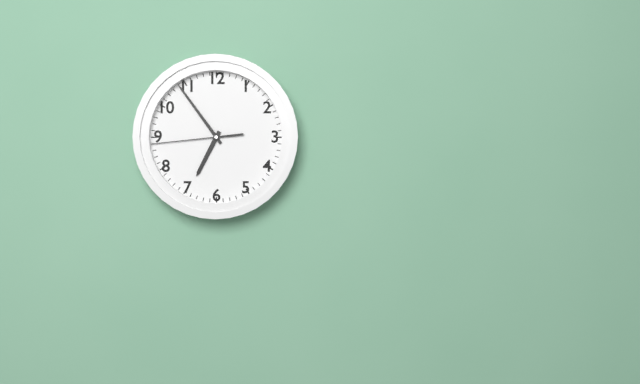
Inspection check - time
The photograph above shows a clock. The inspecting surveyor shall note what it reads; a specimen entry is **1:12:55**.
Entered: **6:54:44**
